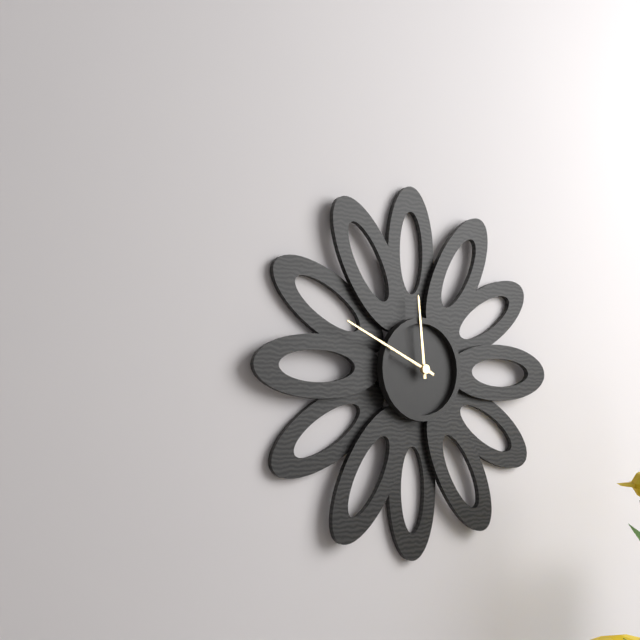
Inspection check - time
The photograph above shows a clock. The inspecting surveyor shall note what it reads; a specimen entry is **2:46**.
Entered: **11:49**
